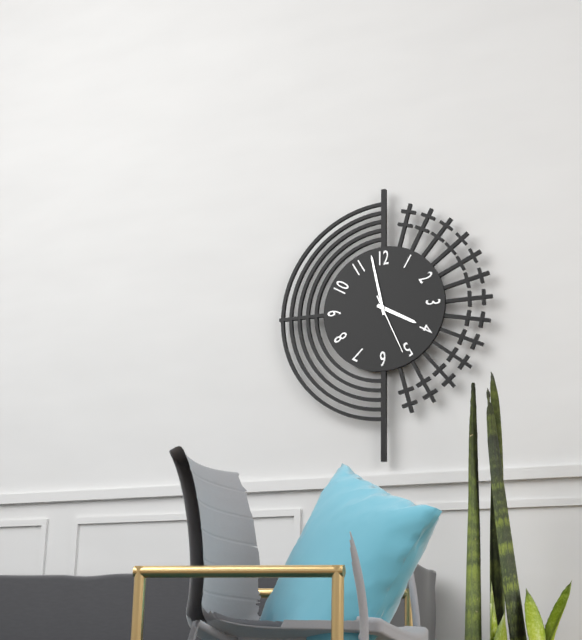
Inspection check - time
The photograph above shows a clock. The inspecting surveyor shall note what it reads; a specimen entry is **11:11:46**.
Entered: **3:58:26**
